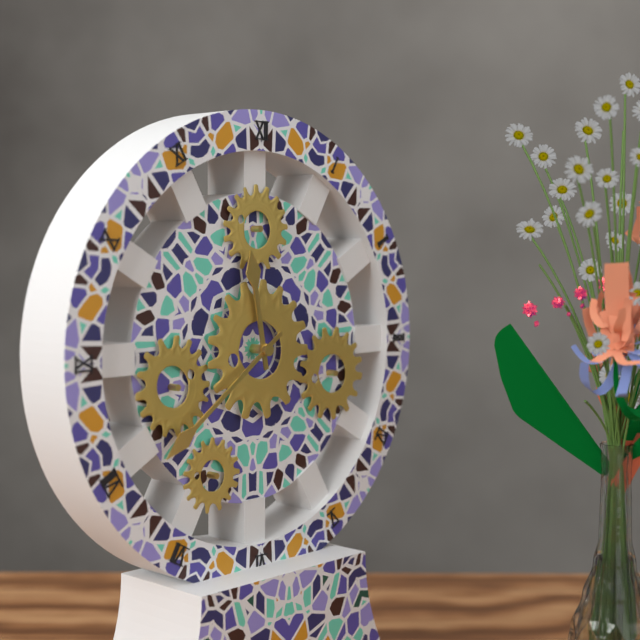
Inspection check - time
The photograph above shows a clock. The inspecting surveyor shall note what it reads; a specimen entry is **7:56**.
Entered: **11:39**
